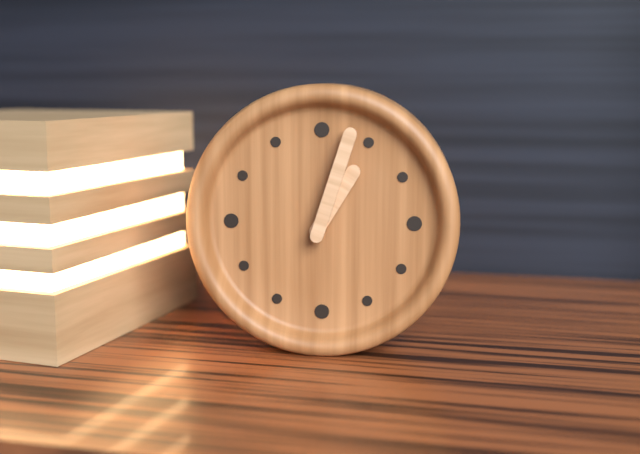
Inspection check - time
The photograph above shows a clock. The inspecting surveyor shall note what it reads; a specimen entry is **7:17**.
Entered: **1:03**
